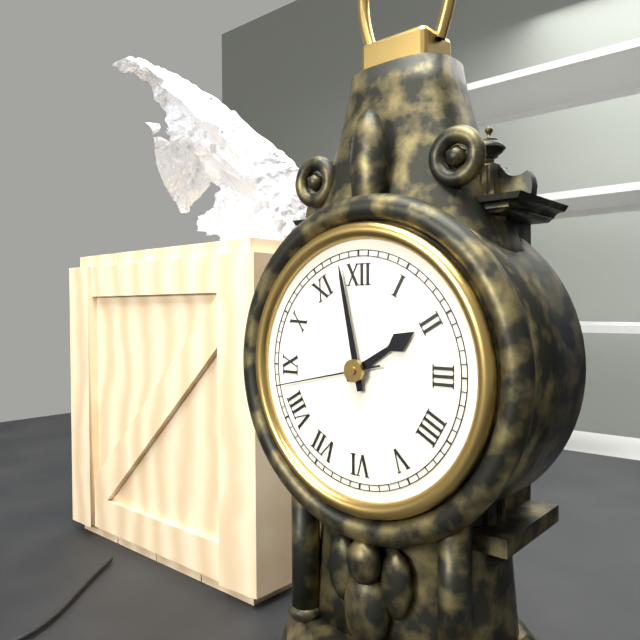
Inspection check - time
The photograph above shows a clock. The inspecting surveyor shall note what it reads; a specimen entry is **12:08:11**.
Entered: **1:58:43**
